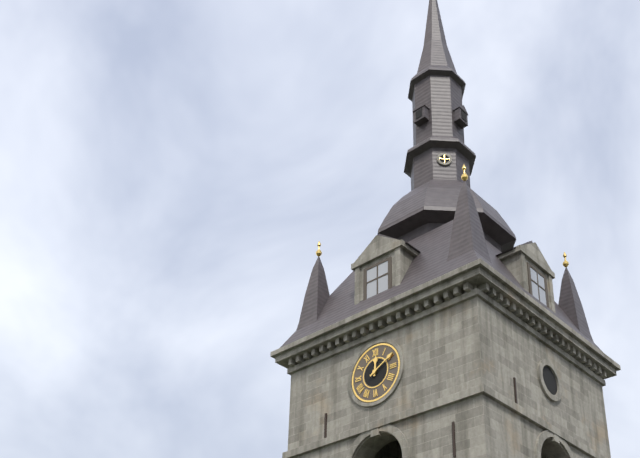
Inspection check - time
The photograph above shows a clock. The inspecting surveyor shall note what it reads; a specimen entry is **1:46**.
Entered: **12:10**
